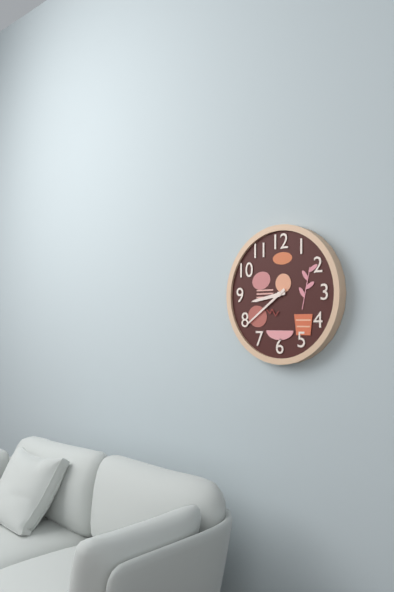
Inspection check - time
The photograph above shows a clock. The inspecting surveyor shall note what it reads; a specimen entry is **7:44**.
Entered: **8:39**
